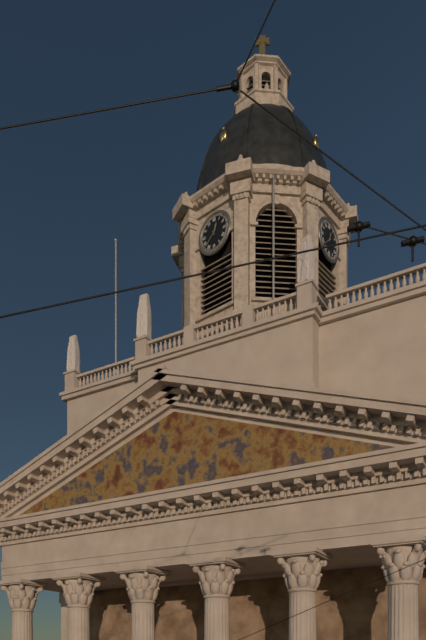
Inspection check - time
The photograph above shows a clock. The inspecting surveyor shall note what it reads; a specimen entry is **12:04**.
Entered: **12:38**
